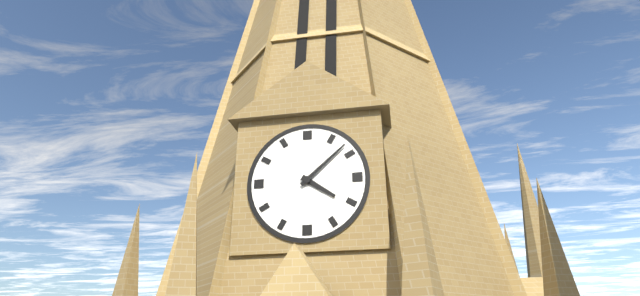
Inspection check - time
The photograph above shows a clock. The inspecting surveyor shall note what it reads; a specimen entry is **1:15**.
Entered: **4:08**
